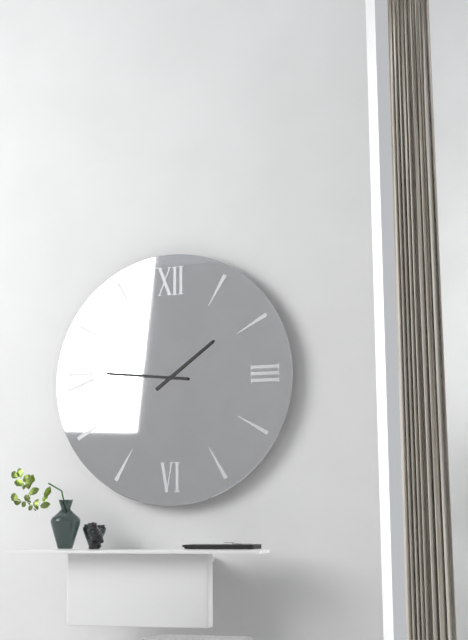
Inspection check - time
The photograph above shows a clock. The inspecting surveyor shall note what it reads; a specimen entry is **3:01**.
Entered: **1:46**
